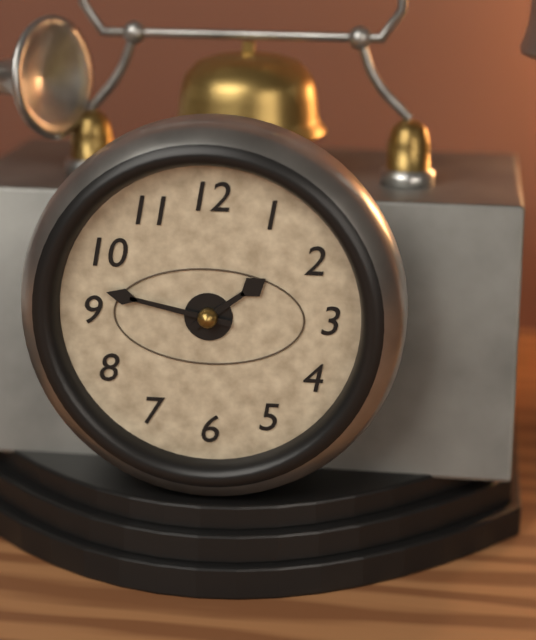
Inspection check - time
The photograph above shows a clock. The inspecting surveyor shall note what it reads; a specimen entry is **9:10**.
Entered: **1:47**
